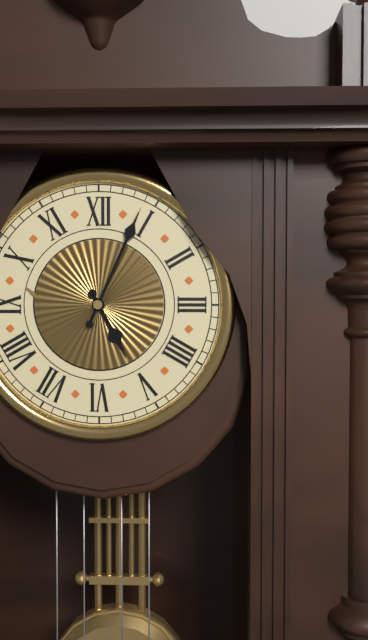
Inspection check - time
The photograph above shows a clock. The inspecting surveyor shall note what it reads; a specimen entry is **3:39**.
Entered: **5:04**
